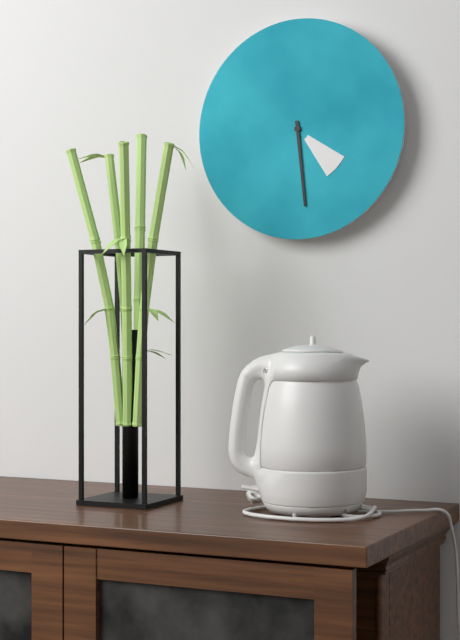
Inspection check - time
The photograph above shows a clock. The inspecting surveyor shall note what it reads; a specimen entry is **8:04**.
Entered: **4:29**
